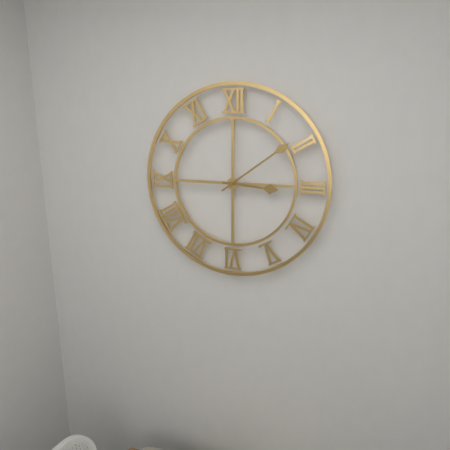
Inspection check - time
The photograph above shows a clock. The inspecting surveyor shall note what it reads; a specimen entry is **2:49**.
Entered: **3:09**
